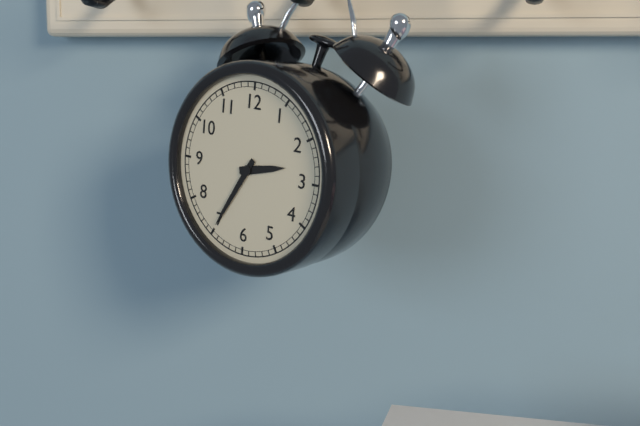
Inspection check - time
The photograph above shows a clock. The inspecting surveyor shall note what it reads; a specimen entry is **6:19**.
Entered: **2:35**
